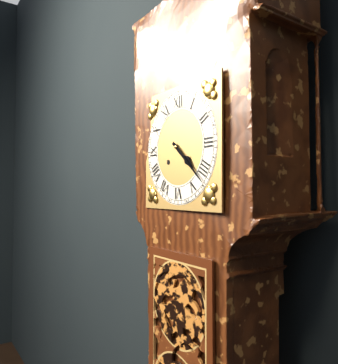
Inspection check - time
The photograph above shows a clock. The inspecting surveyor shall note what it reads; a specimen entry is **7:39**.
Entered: **4:22**
